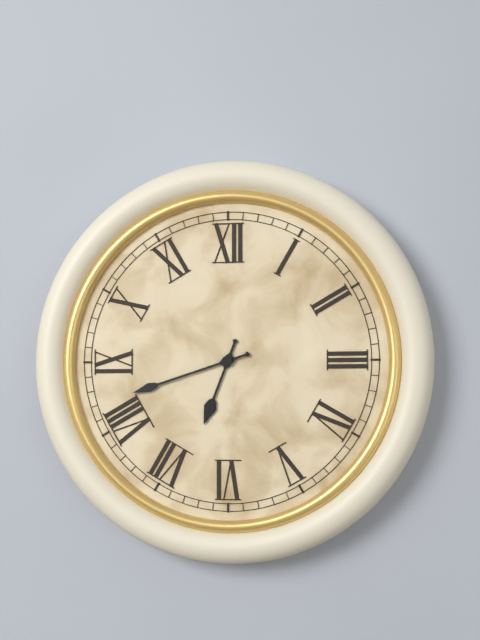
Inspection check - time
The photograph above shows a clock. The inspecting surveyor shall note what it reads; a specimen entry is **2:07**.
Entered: **6:42**
